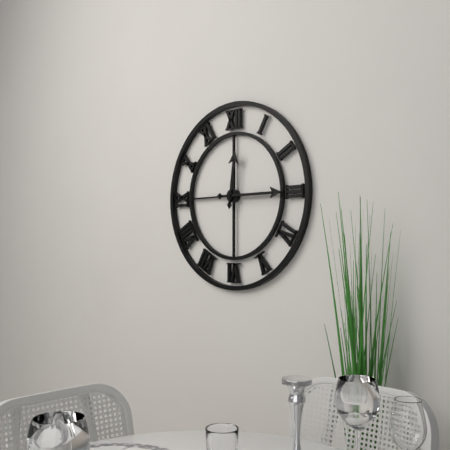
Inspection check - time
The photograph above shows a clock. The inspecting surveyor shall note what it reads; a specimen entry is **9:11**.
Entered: **12:15**
